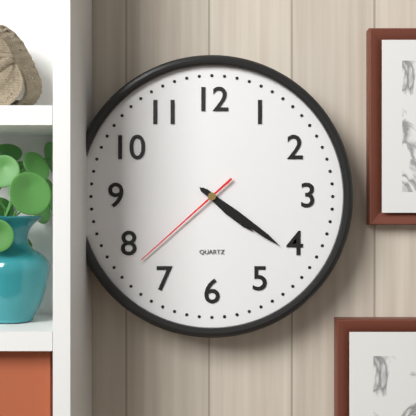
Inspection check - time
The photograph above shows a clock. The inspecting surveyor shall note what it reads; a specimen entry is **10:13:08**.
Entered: **4:21:38**
